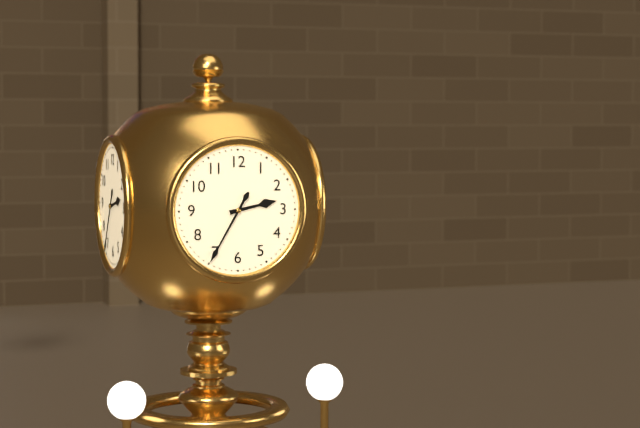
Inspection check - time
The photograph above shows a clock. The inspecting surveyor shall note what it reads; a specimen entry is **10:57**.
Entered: **2:35**
